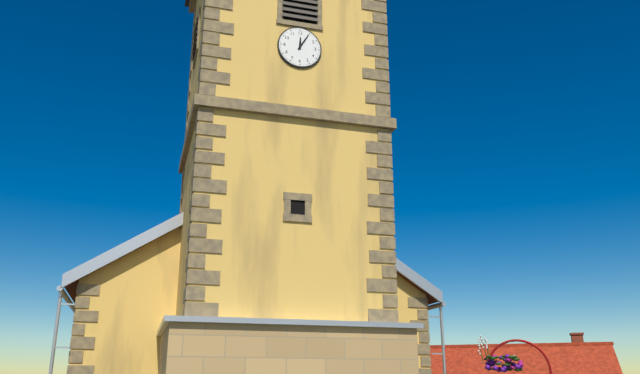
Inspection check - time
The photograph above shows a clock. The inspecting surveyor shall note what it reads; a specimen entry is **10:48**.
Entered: **12:05**
